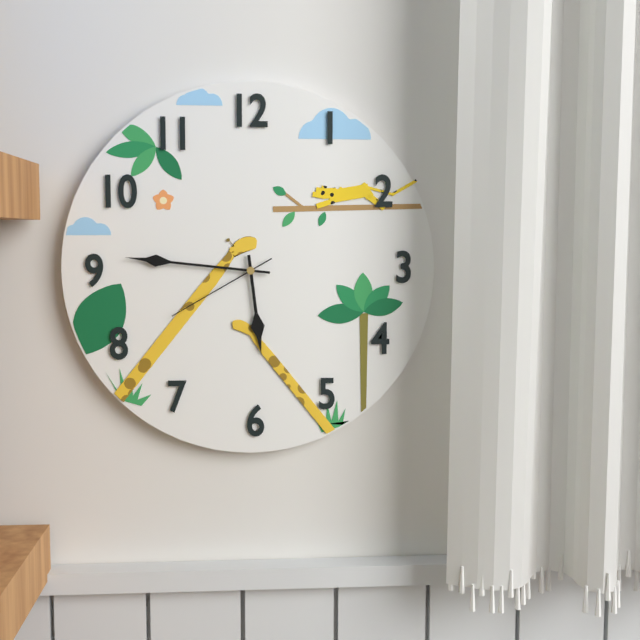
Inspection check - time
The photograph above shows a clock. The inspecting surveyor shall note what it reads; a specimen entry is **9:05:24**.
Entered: **5:46:40**
